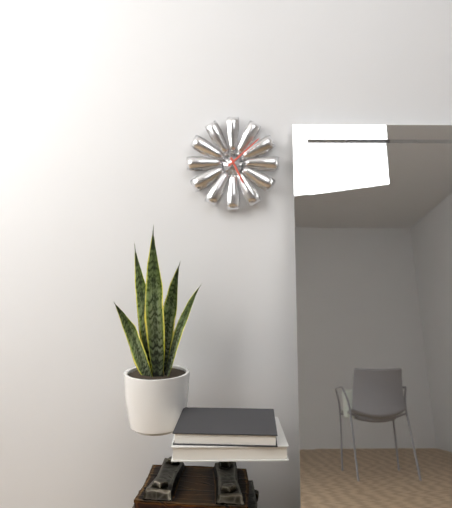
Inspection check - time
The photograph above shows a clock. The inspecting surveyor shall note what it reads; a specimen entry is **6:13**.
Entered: **5:08**
